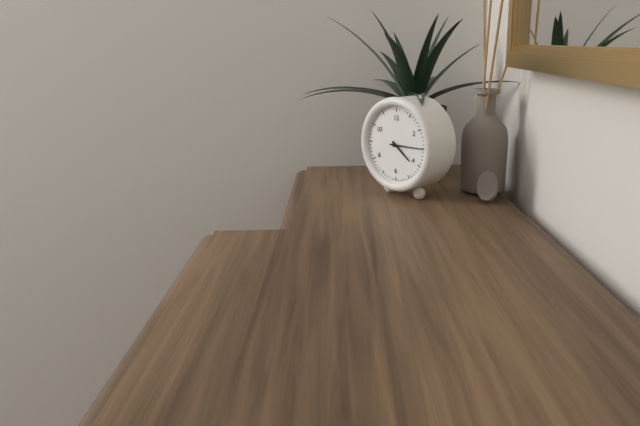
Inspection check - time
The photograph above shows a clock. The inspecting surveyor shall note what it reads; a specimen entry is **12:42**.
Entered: **4:15**
